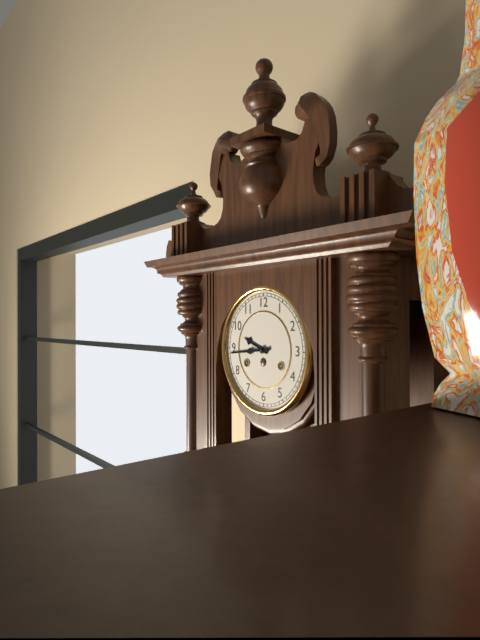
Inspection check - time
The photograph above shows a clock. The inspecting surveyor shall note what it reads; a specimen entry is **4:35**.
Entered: **9:44**
